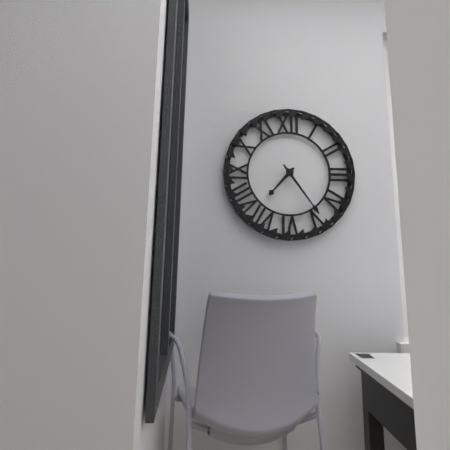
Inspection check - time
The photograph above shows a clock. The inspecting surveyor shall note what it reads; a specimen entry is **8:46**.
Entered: **7:24**
